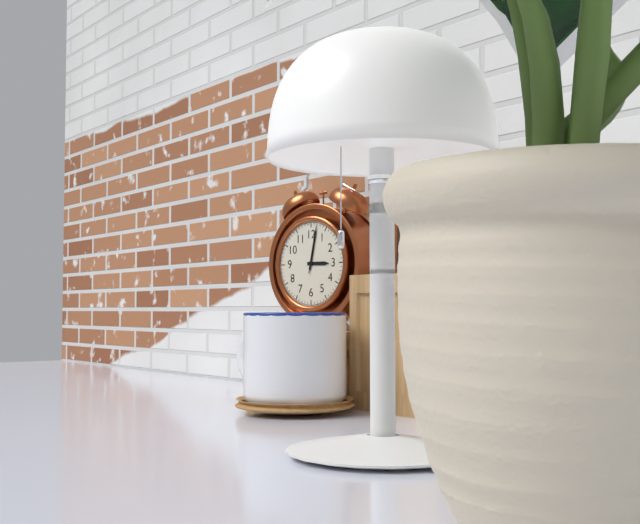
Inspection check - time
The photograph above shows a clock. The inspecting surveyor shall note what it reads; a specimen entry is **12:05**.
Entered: **3:02**
